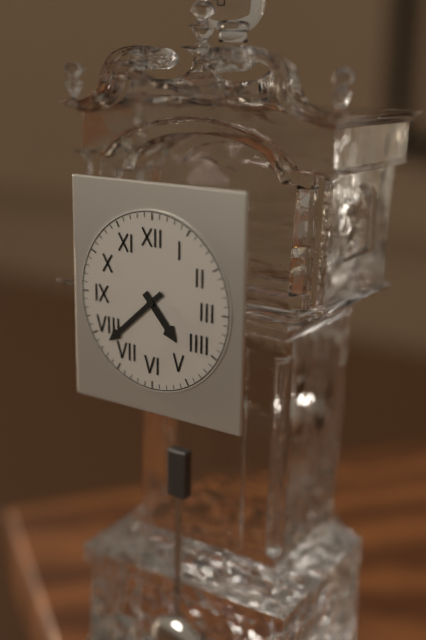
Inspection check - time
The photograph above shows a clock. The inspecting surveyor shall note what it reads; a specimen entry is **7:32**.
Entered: **4:38**
